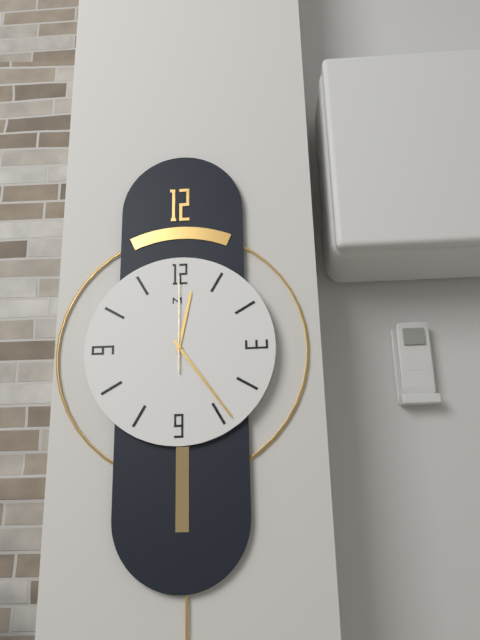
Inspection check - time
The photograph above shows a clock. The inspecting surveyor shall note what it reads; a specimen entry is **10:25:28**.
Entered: **12:24:00**
